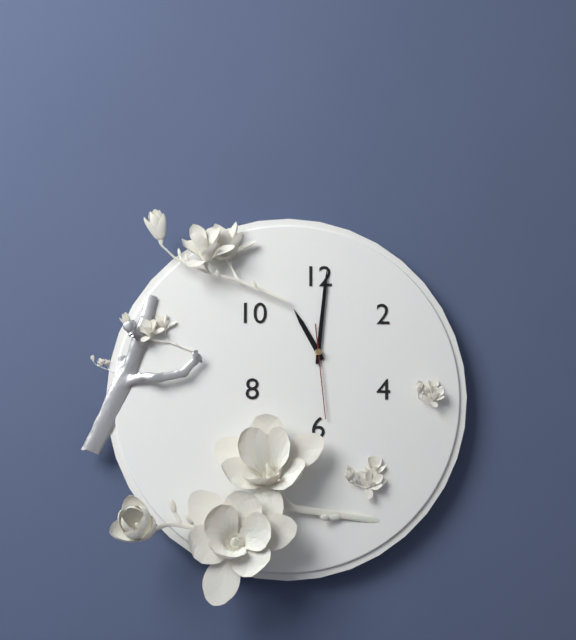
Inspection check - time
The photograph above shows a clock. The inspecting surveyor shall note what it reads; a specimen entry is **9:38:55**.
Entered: **11:01:29**
